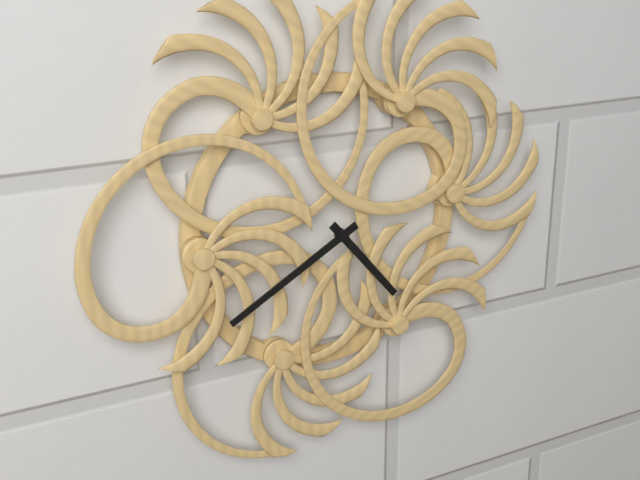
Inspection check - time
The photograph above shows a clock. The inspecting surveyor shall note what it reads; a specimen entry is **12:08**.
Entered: **4:40**
